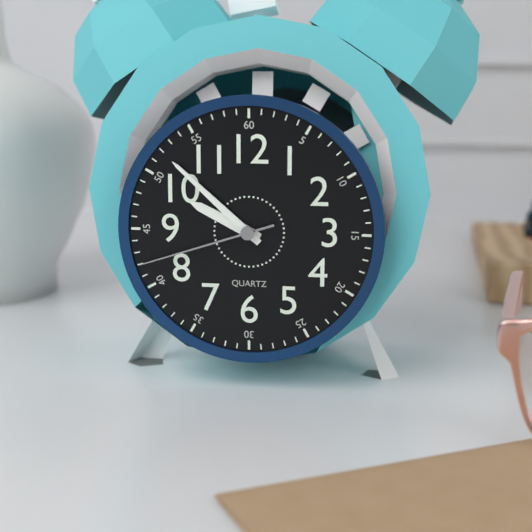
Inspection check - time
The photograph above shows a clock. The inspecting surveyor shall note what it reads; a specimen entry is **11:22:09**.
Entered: **9:52:42**
